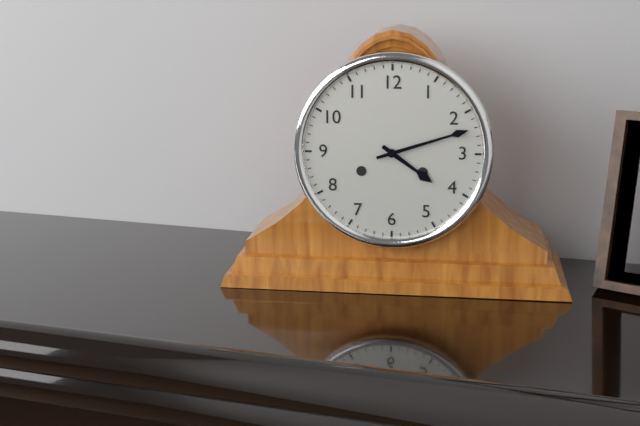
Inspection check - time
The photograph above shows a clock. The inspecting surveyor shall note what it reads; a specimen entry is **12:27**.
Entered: **4:12**
